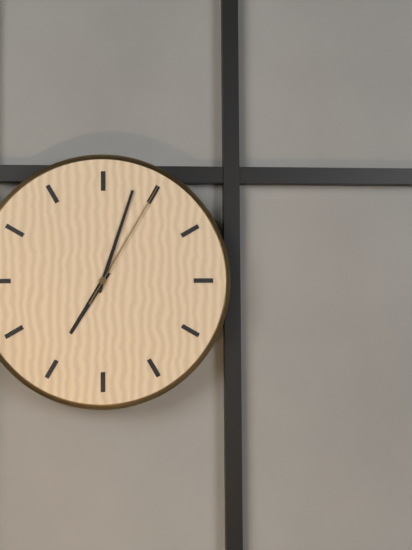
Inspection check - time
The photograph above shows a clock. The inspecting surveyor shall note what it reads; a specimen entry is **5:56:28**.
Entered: **7:03:05**
